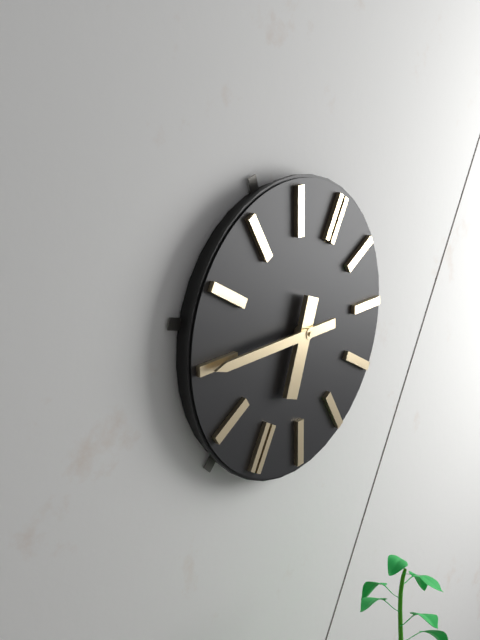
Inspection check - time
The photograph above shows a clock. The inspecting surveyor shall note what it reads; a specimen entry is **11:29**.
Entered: **5:40**
